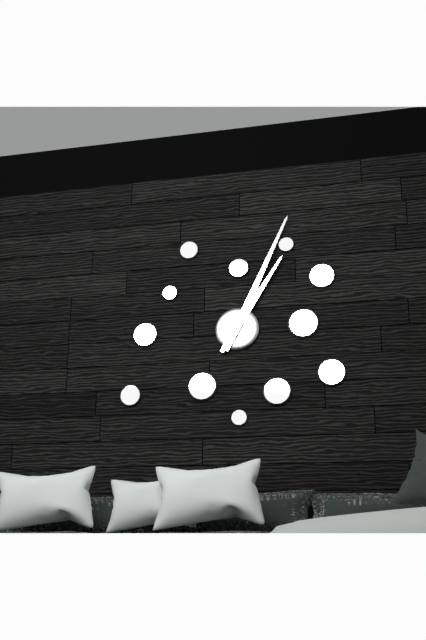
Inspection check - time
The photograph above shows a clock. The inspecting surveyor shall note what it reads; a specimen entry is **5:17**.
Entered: **1:04**
